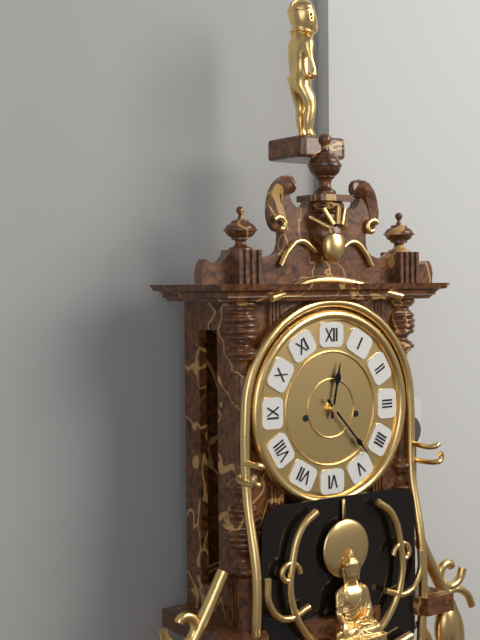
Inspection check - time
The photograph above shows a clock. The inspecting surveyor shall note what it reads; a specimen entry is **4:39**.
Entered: **12:23**
